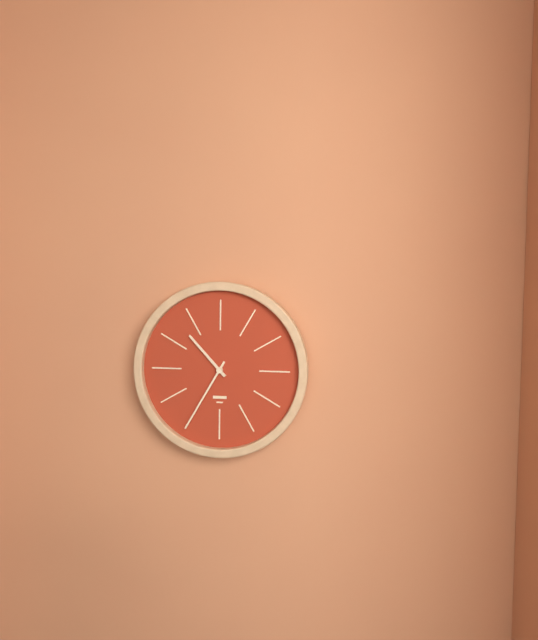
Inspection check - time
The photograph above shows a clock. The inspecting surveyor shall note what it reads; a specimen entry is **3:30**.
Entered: **10:35**
